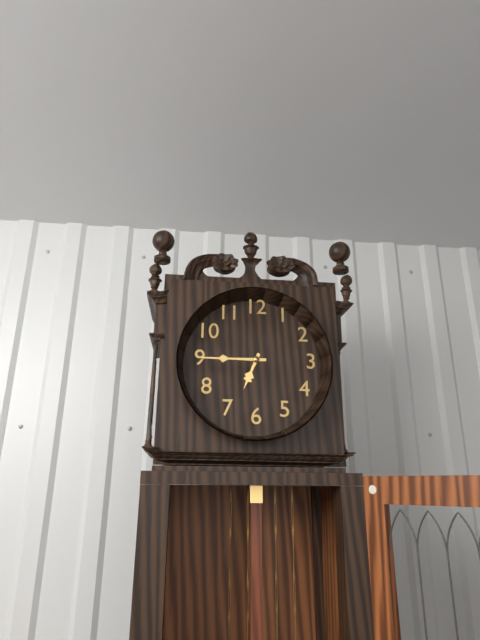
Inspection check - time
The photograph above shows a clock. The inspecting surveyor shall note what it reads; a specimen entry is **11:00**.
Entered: **6:45**
